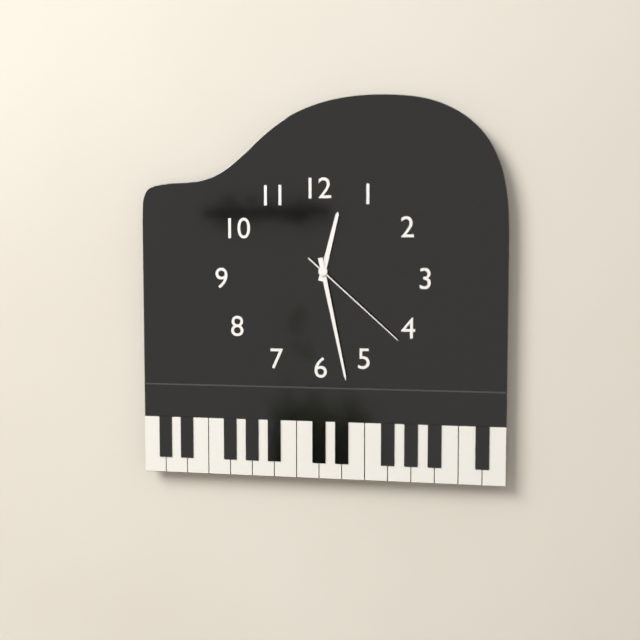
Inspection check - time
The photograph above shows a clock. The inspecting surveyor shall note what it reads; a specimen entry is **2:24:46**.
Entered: **12:28:22**
